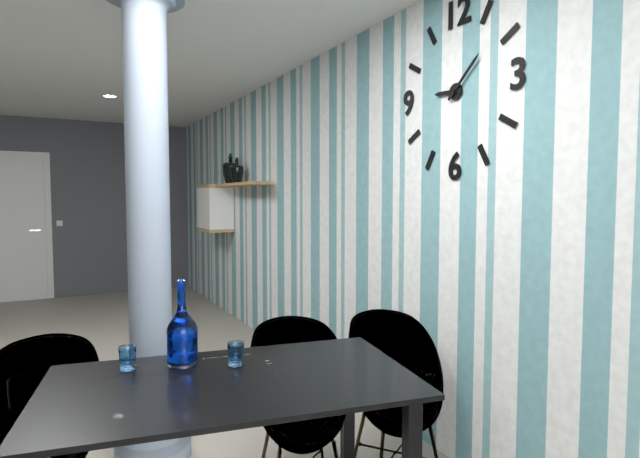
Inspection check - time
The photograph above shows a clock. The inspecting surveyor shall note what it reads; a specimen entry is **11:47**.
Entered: **9:08**
